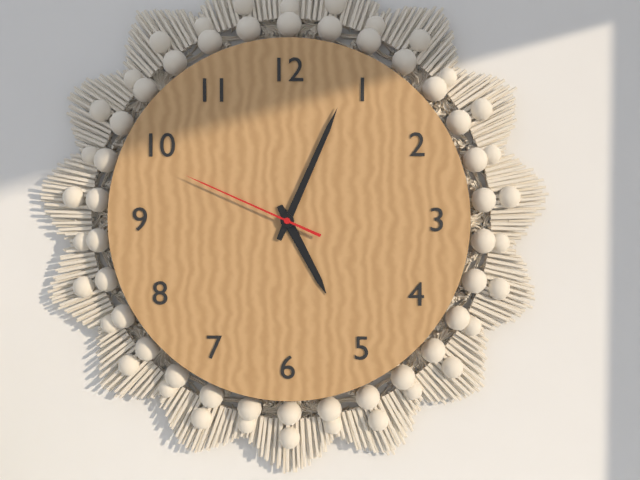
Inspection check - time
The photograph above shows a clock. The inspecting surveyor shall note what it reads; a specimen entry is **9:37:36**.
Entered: **5:04:49**
